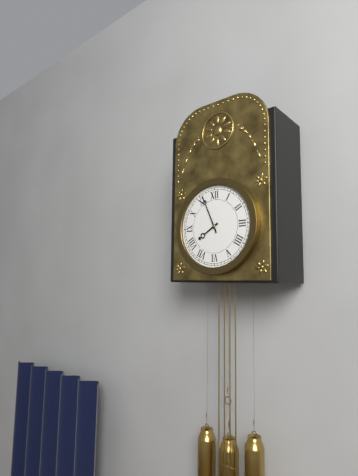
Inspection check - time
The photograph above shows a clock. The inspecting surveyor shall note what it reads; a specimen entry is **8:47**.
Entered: **7:56**
